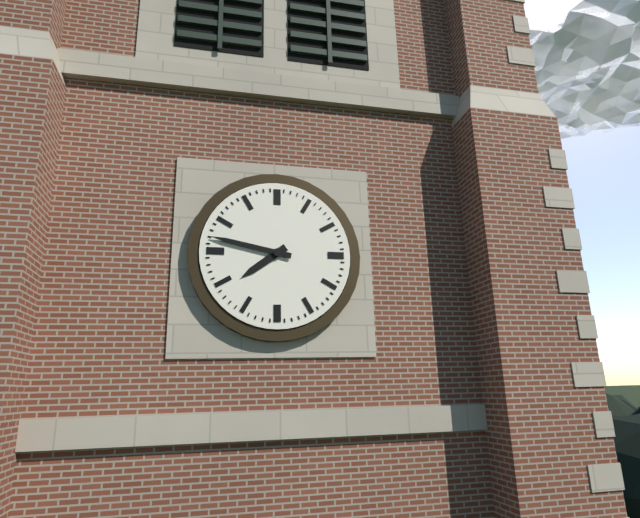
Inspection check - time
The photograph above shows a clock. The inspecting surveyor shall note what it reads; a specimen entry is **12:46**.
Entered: **7:47**
